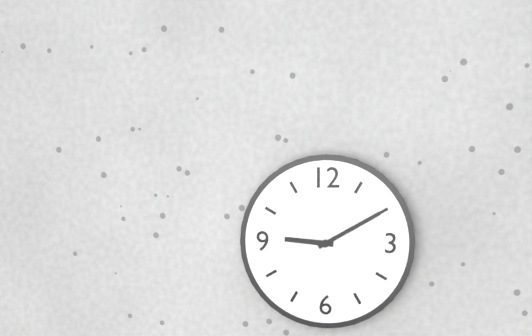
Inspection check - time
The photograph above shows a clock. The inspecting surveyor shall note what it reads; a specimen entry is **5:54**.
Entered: **9:10**
